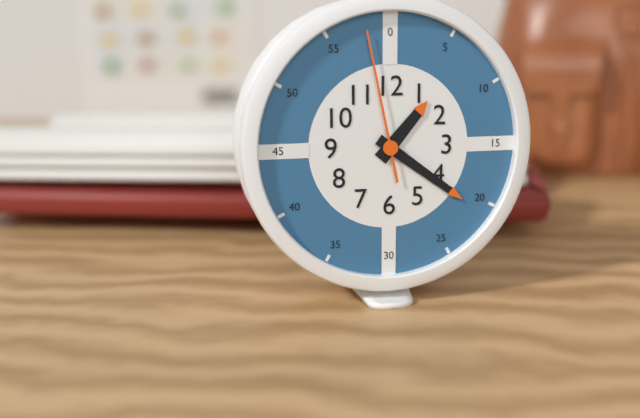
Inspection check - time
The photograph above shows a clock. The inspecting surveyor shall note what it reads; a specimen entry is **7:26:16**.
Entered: **1:21:58**
